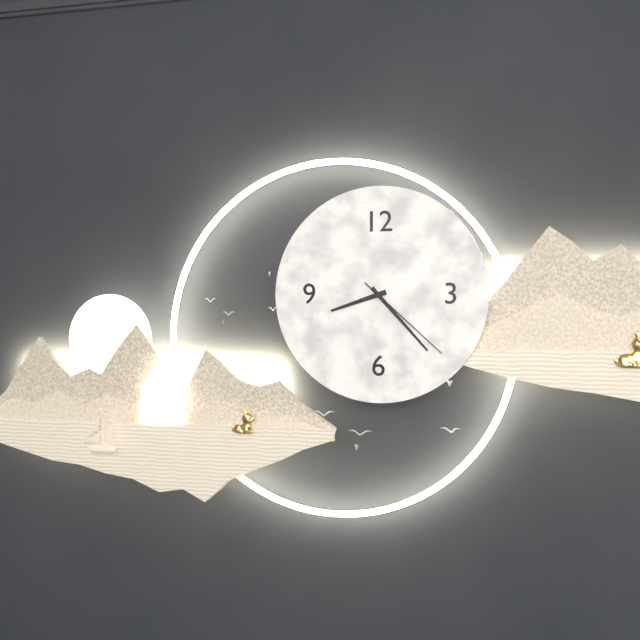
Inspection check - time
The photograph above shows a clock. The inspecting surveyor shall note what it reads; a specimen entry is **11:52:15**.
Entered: **8:23:22**
